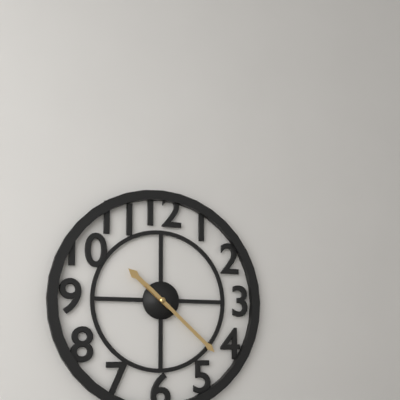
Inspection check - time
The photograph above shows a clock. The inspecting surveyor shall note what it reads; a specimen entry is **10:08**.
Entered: **10:22**
